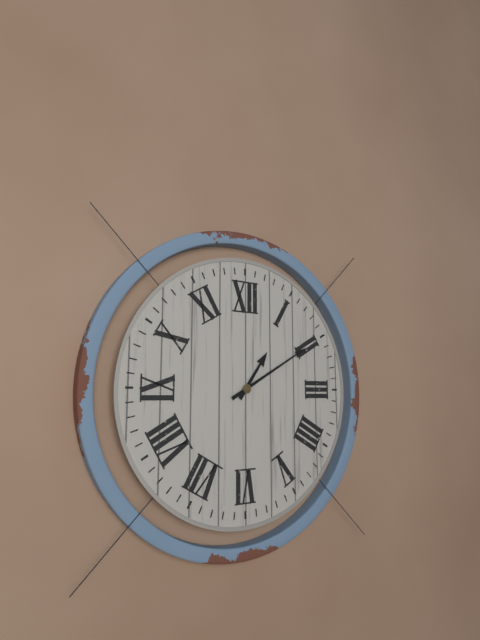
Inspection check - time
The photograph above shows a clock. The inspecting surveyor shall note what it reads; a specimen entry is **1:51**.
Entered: **1:10**
